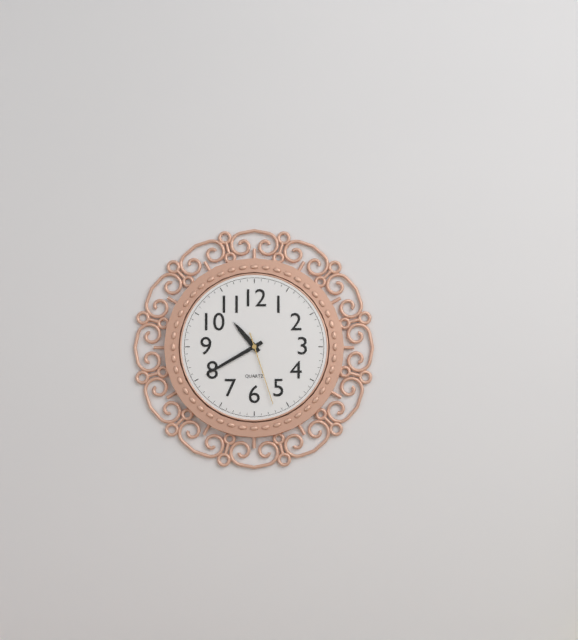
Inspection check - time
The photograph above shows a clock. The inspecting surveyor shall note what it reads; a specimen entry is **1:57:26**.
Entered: **10:40:27**
